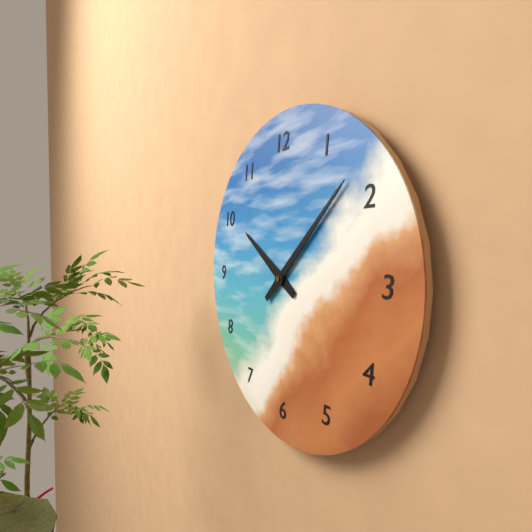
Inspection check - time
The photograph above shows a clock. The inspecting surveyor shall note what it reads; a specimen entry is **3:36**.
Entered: **10:08**
